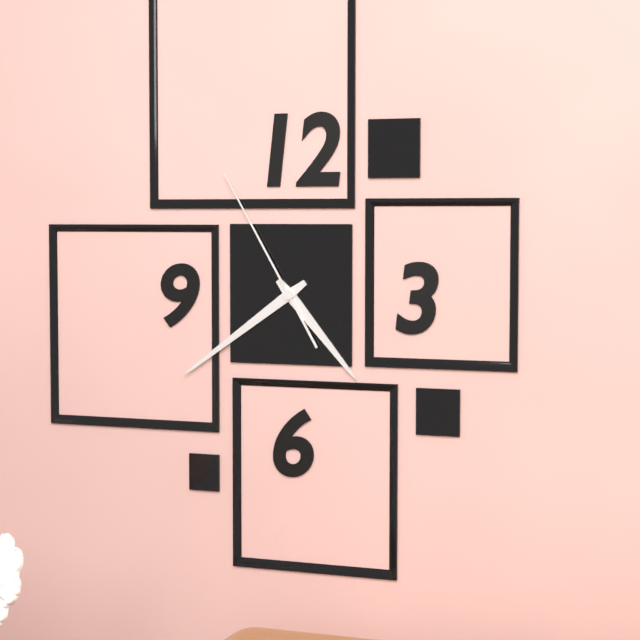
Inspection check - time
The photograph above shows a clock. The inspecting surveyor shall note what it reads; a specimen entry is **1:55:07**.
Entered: **4:39:55**
